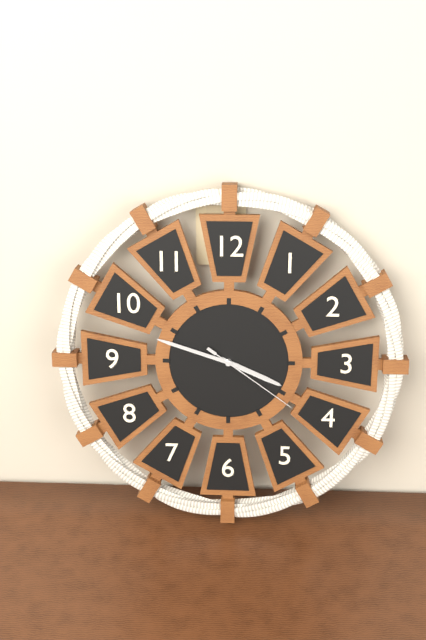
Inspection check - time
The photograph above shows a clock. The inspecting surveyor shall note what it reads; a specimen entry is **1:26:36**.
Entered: **3:48:21**
